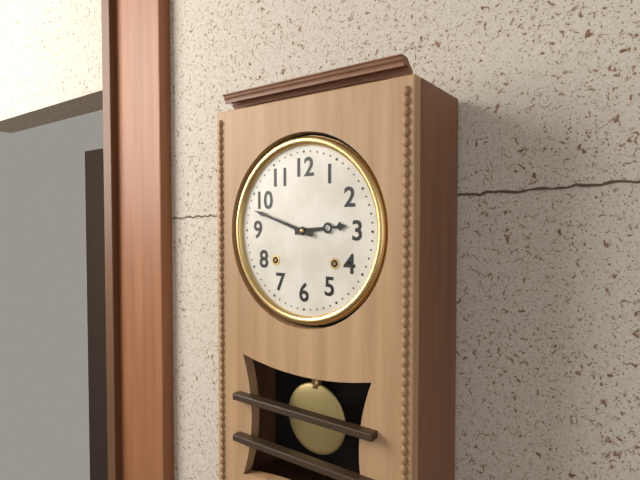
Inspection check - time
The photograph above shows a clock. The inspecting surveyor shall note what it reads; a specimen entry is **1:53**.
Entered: **2:48**
